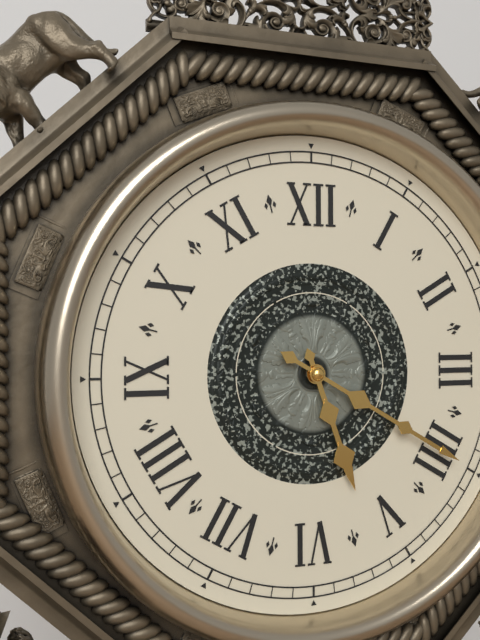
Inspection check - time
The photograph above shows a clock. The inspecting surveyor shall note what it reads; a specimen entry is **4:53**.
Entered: **5:20**
